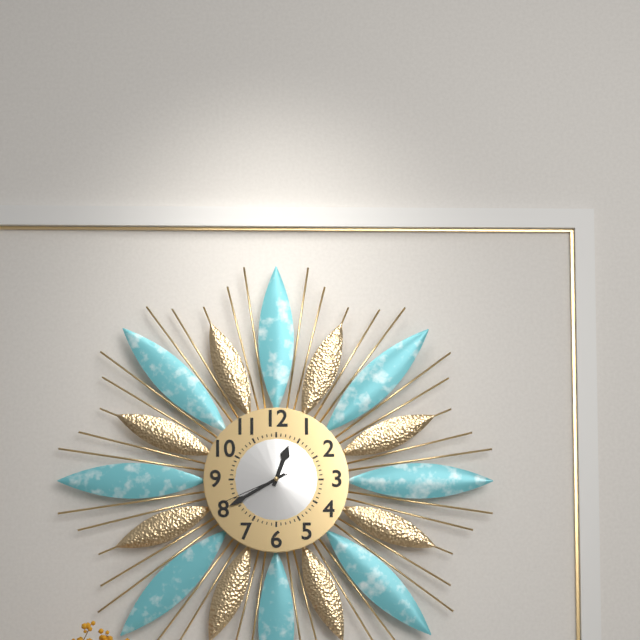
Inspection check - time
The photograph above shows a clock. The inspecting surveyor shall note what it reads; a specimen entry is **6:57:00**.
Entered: **12:40:41**
